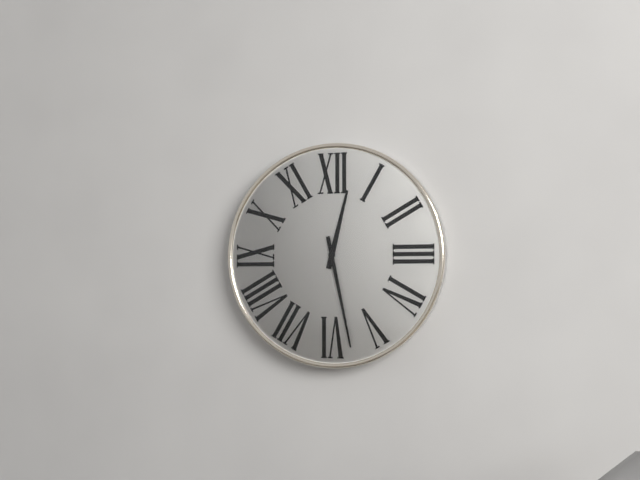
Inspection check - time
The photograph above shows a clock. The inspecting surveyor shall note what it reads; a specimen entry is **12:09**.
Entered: **12:28**
